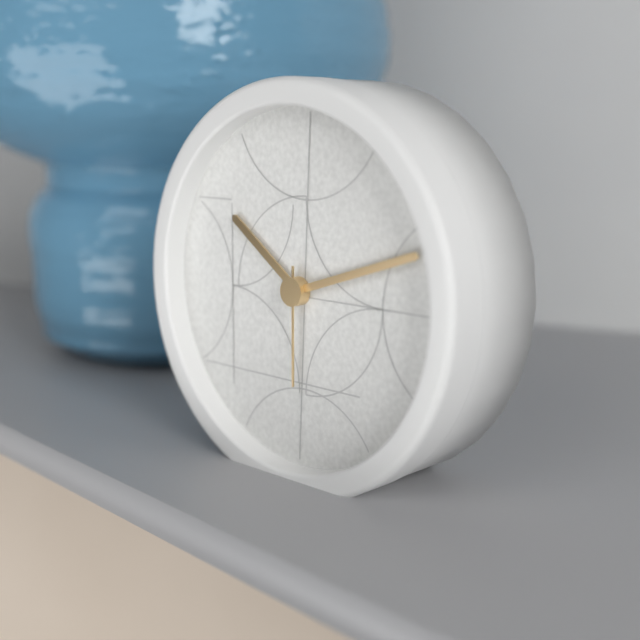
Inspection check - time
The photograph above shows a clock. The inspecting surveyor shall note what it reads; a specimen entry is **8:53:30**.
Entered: **10:12:30**
